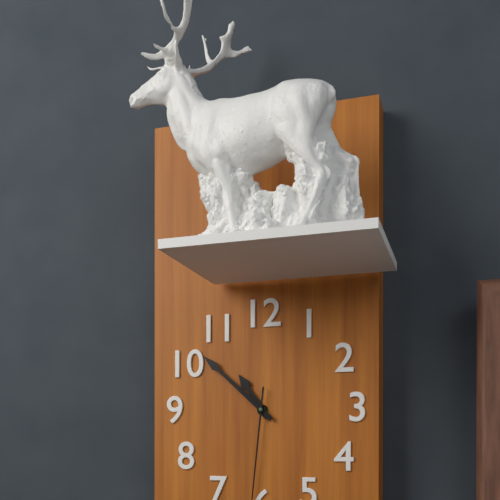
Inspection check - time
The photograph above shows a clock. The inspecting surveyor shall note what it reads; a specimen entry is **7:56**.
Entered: **10:52**
